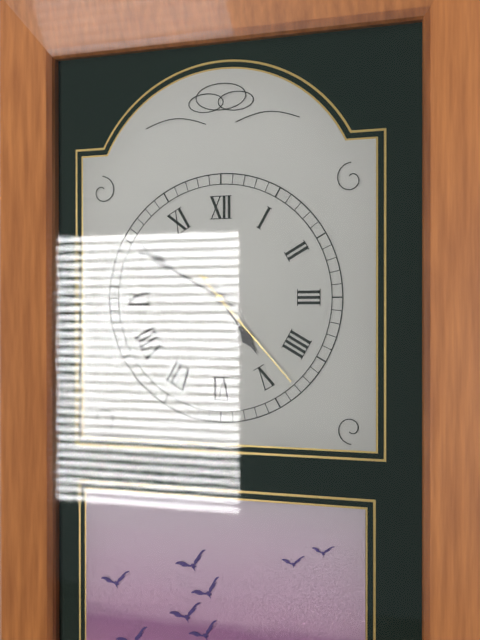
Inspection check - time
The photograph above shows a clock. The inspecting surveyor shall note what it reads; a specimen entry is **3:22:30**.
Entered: **4:50:23**
